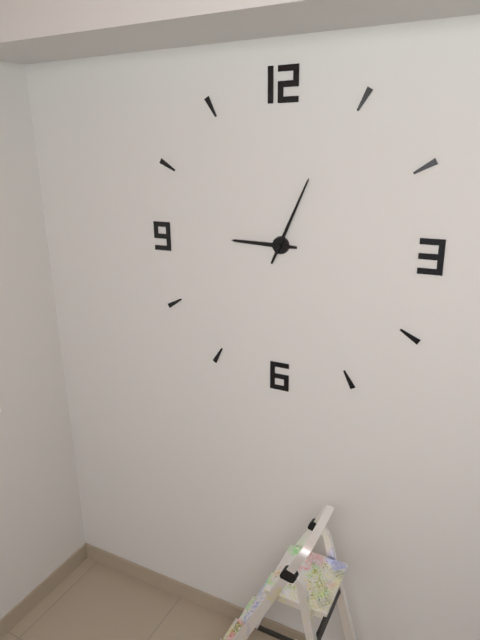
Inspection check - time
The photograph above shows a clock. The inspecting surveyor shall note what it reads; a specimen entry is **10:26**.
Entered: **9:04**
